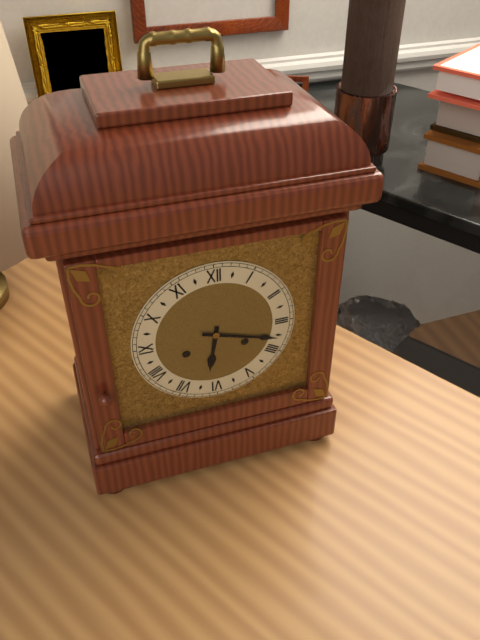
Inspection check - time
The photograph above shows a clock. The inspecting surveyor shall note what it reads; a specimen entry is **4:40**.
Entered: **6:18**
